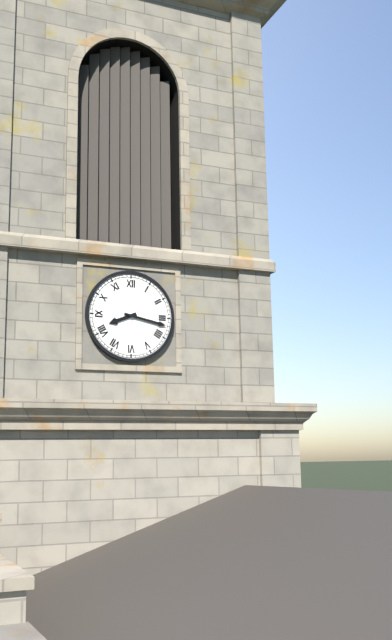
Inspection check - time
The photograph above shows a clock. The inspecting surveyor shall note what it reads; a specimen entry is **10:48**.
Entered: **8:17**
